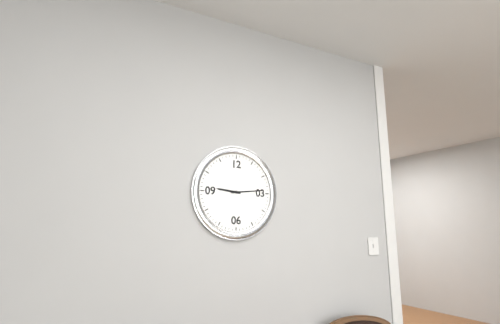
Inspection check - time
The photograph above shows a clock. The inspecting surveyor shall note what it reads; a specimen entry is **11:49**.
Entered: **9:14**
